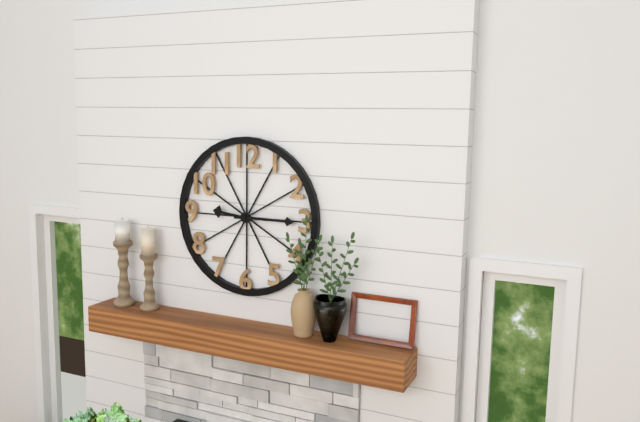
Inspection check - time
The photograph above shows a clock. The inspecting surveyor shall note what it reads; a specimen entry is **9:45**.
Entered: **9:15**
